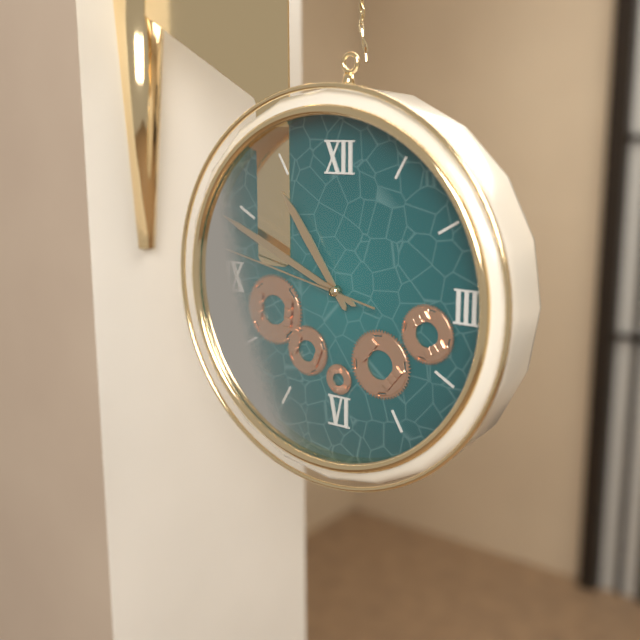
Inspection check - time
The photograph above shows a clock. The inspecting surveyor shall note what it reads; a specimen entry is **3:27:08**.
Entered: **10:49:47**
